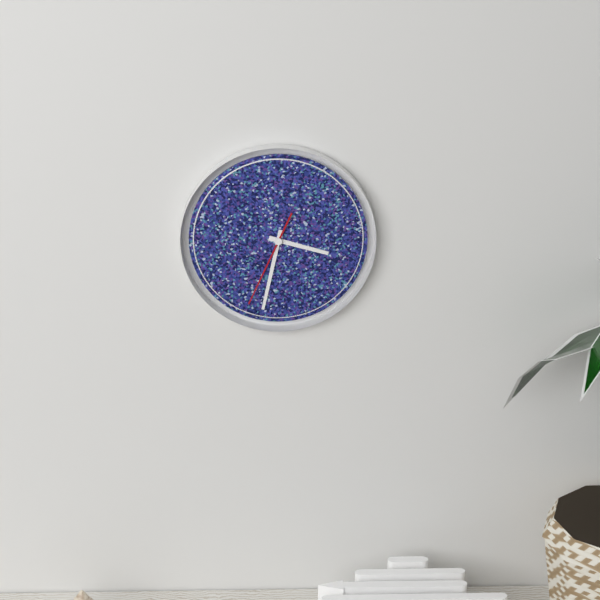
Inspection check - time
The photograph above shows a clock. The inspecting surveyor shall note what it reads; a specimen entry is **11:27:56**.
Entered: **3:32:34**
